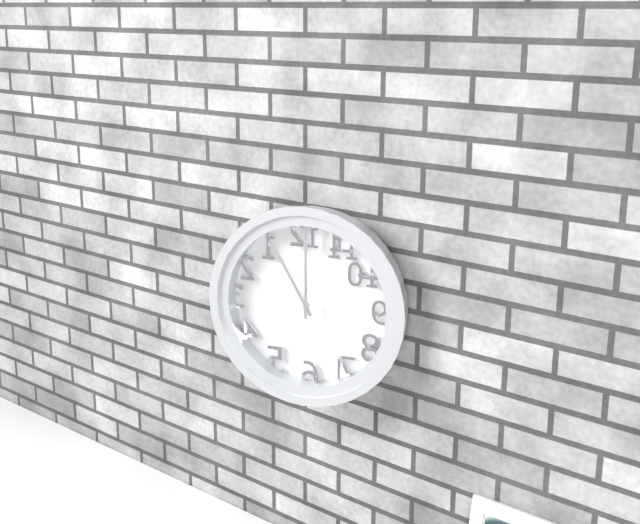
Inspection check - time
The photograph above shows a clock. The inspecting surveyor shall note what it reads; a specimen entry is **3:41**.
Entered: **11:00**
